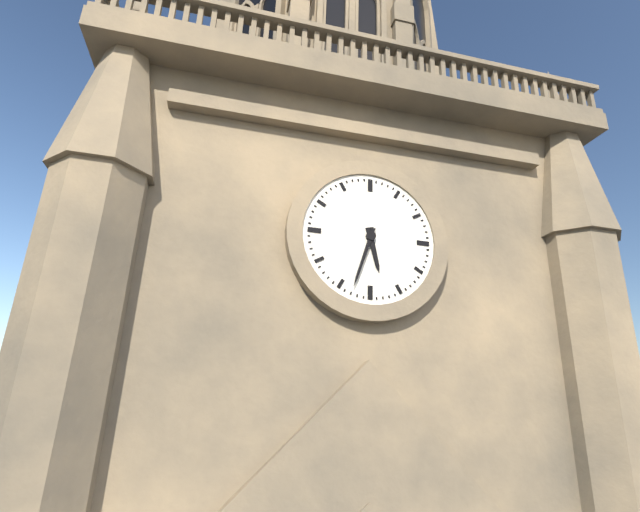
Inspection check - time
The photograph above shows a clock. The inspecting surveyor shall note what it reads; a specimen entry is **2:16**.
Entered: **5:33**
